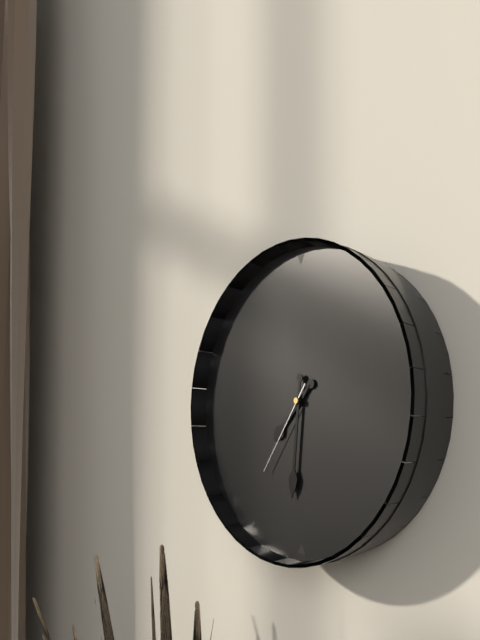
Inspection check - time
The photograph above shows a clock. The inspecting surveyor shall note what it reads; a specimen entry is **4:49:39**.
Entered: **7:31:36**
